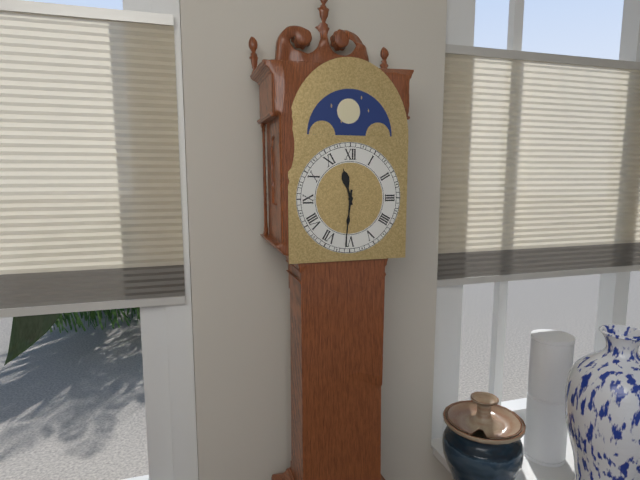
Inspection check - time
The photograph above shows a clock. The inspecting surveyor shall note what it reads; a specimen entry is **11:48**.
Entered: **11:31**
